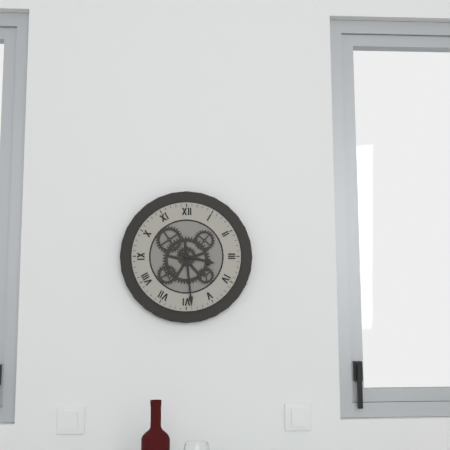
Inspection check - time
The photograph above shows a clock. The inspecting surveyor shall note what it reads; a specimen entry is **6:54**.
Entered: **3:29**
